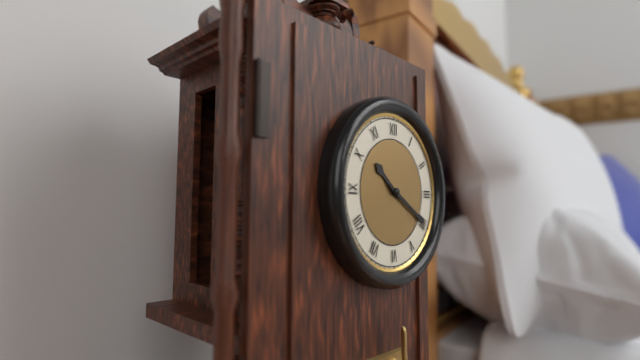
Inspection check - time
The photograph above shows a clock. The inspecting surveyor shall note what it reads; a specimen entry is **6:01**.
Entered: **10:20**
